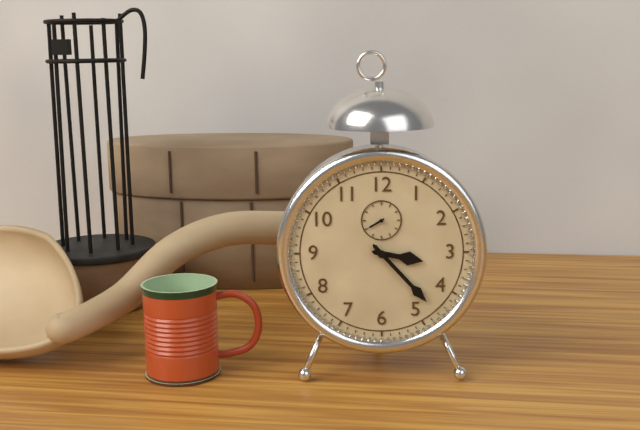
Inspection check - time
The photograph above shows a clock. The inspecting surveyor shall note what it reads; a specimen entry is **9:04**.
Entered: **3:23**
